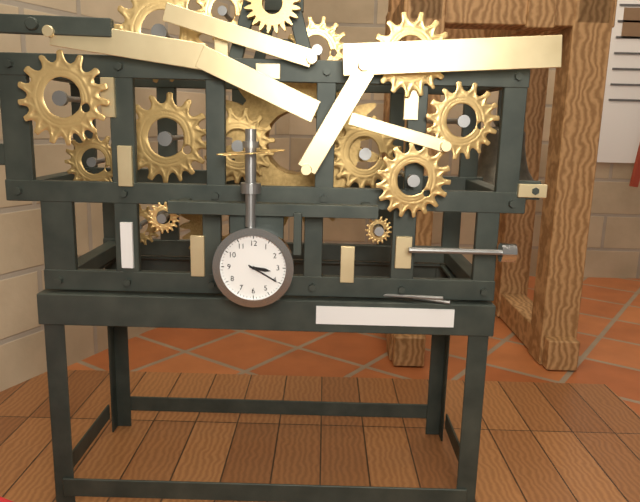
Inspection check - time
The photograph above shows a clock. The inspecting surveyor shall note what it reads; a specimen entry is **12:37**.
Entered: **3:20**
